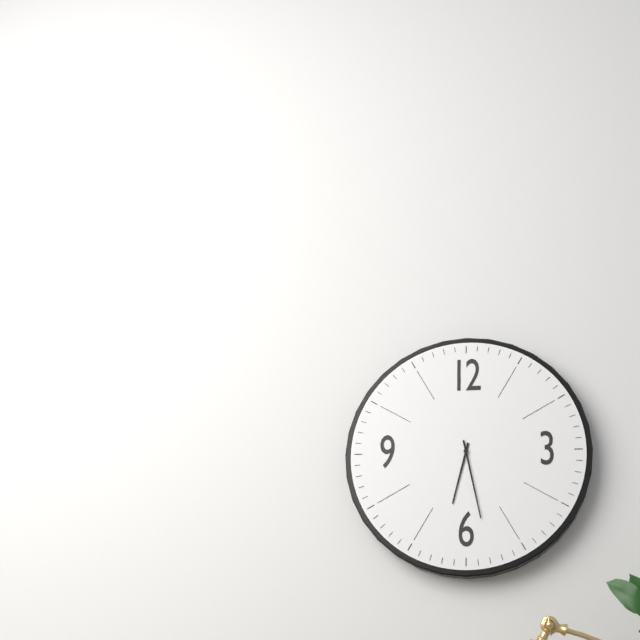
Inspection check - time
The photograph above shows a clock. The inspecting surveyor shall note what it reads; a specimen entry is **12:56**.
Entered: **6:28**
